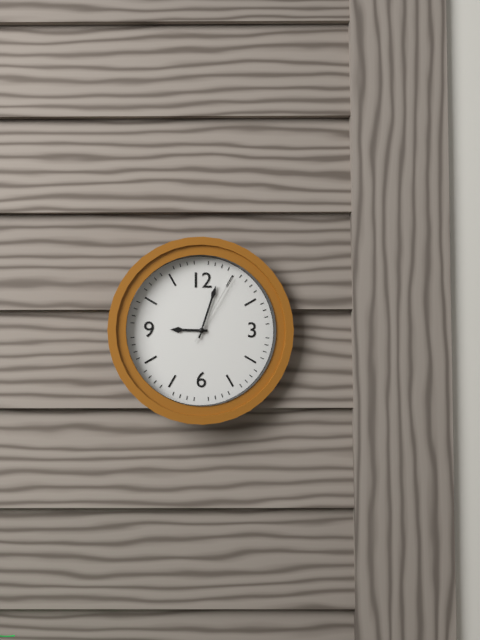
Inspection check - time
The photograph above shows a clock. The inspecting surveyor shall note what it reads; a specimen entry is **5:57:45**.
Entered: **9:03:05**
